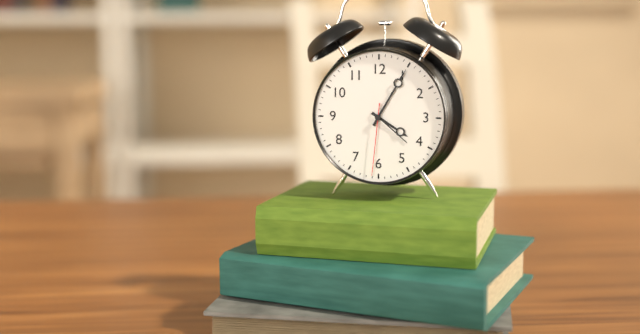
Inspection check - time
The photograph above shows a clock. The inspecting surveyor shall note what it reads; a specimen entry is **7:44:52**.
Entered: **4:05:31**
